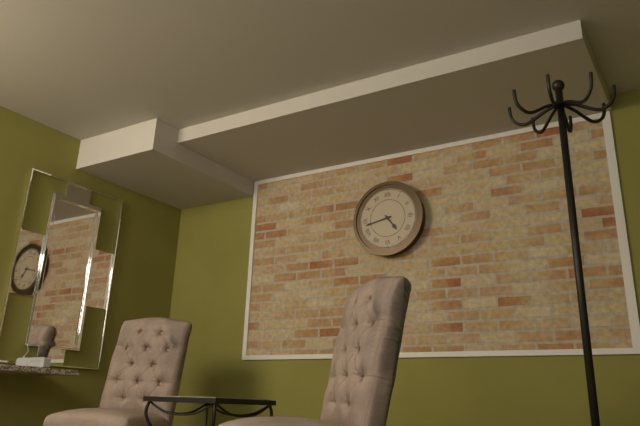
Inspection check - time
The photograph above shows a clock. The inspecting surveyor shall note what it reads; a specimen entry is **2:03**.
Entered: **4:43**
